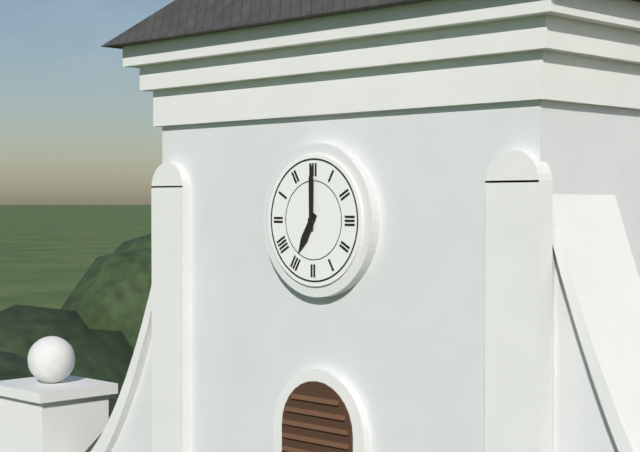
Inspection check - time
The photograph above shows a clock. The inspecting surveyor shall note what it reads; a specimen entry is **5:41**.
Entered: **7:00**
